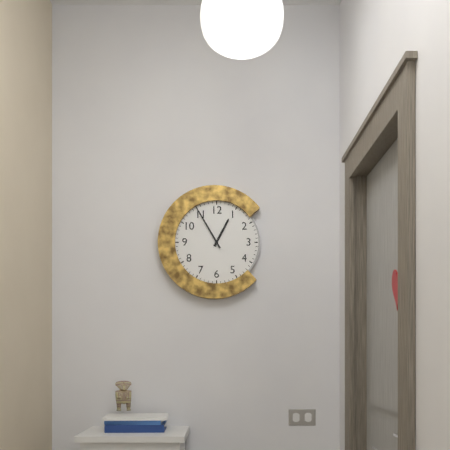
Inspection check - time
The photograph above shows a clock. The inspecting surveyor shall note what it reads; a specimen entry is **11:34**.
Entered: **12:55**
